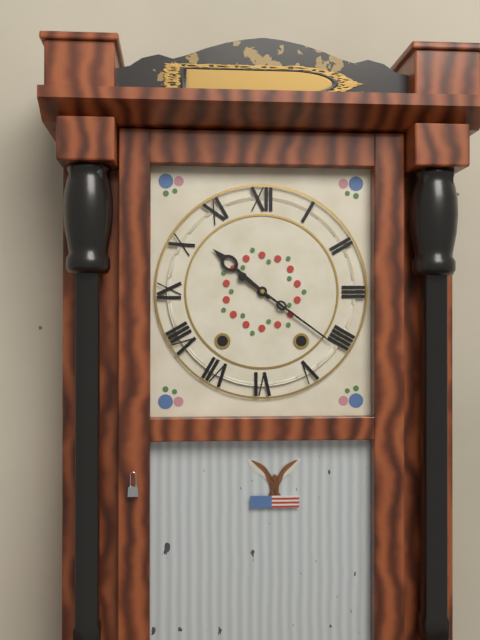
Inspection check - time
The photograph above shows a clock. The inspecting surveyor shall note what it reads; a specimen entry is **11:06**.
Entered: **10:21**
